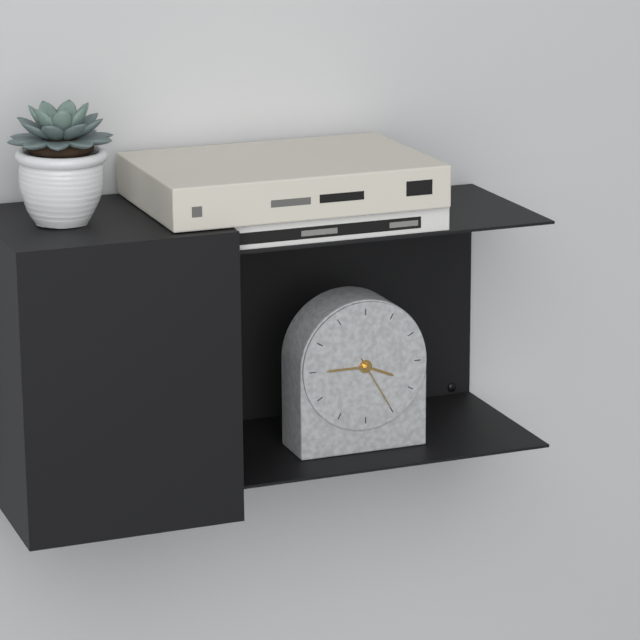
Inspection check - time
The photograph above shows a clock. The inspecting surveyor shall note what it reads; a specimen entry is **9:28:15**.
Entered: **3:45:25**
